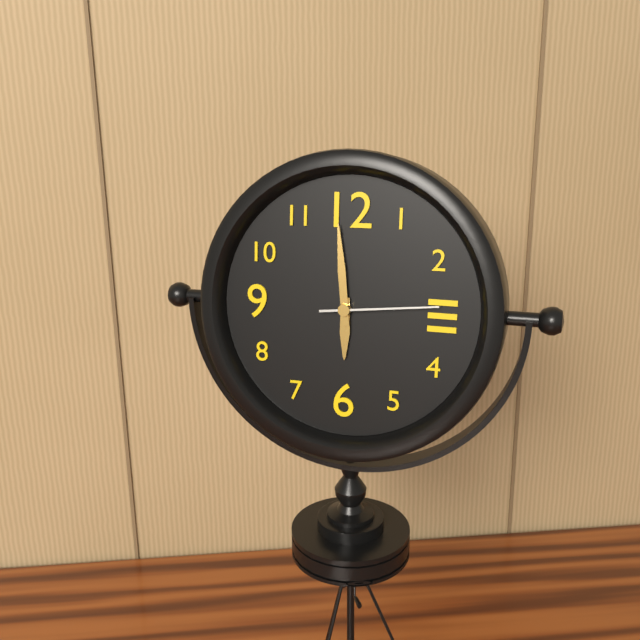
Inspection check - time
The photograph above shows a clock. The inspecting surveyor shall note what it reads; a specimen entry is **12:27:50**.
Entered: **5:59:14**
